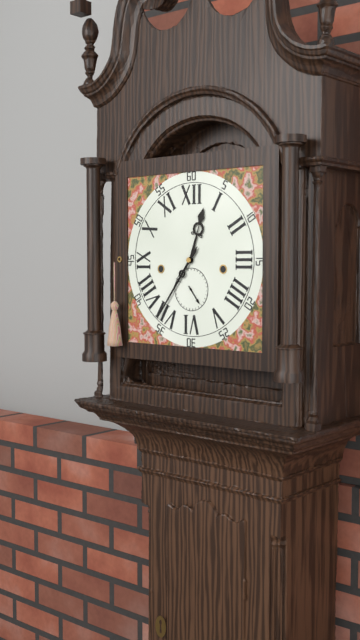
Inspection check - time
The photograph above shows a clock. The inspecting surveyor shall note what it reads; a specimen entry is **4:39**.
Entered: **12:36**
